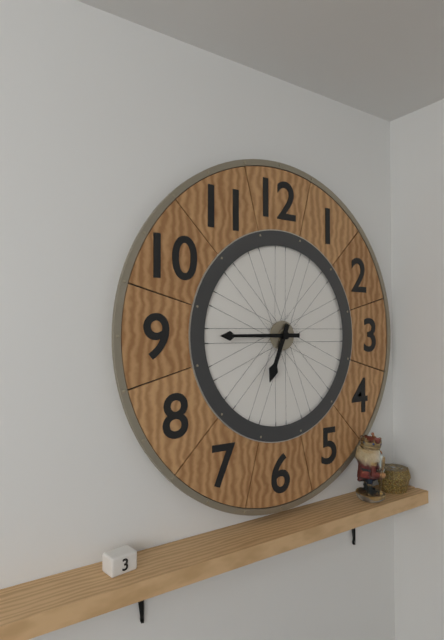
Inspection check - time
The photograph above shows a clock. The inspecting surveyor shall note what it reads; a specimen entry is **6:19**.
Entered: **6:45**
